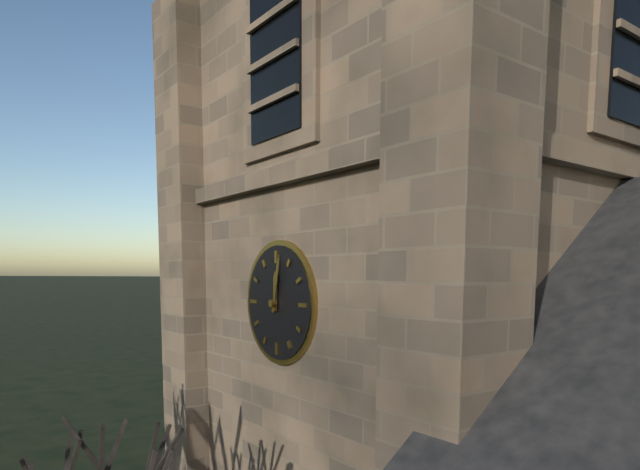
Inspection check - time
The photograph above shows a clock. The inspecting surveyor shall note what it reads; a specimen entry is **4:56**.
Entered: **12:02**
